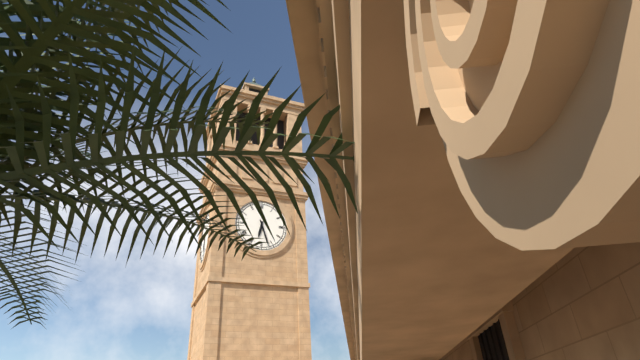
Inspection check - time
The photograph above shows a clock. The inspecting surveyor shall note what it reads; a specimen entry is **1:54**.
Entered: **6:27**
